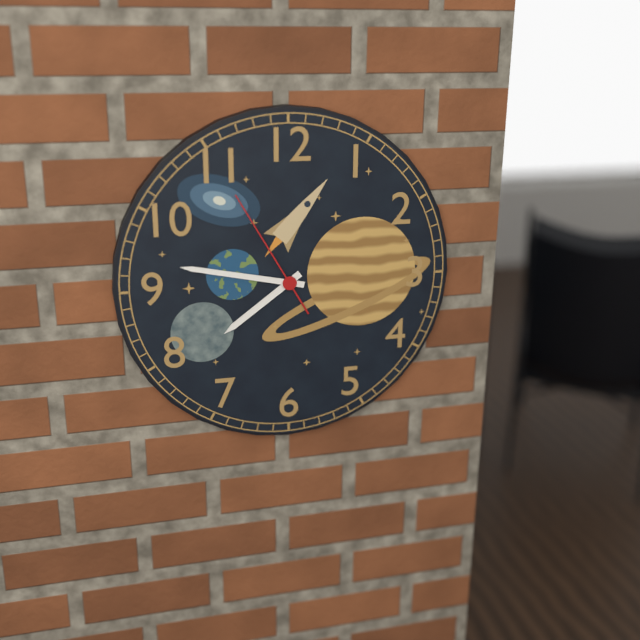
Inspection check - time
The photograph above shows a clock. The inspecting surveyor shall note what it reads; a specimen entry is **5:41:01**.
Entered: **7:47:55**
